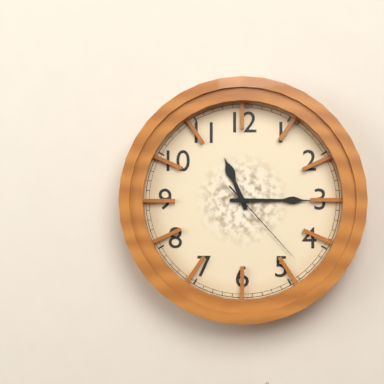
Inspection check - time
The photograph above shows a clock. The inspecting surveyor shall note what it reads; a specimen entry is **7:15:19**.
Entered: **11:15:23**
